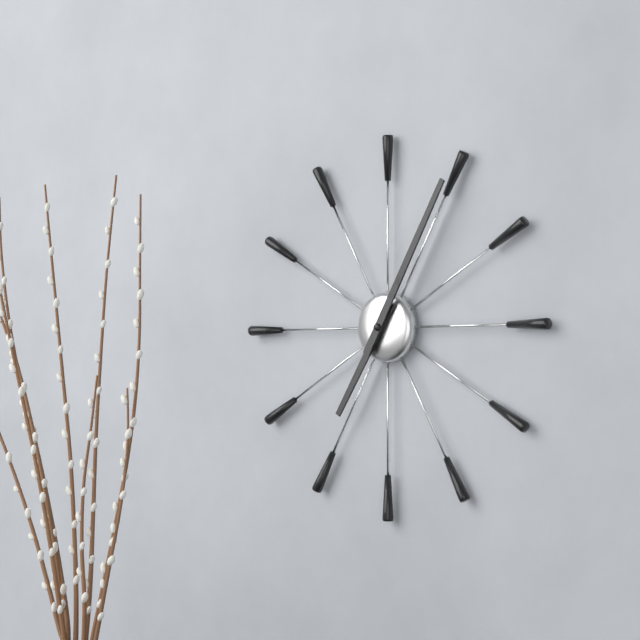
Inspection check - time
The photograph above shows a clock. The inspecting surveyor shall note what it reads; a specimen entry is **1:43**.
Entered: **7:05**
